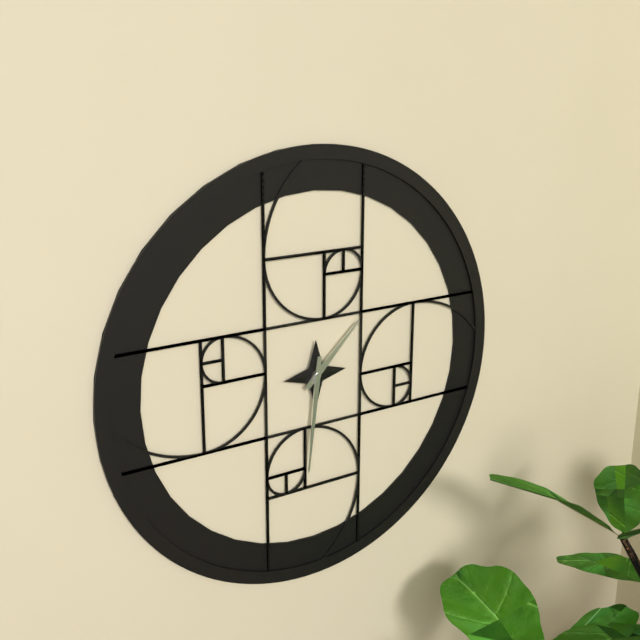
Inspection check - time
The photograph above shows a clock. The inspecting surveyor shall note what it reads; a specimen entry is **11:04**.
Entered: **1:31**
